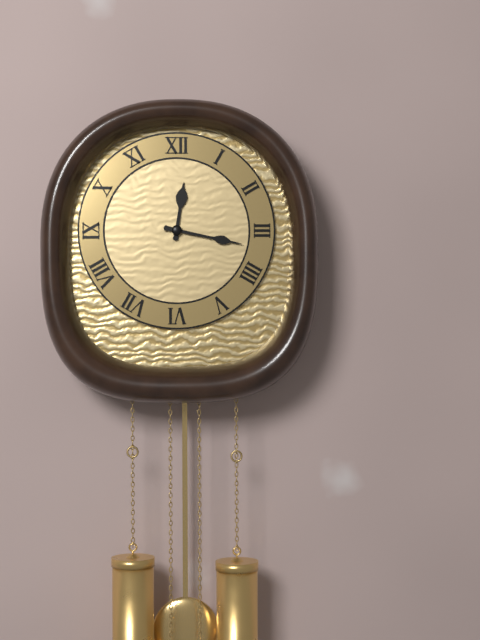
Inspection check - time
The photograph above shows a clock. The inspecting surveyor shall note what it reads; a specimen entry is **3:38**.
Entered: **12:17**
